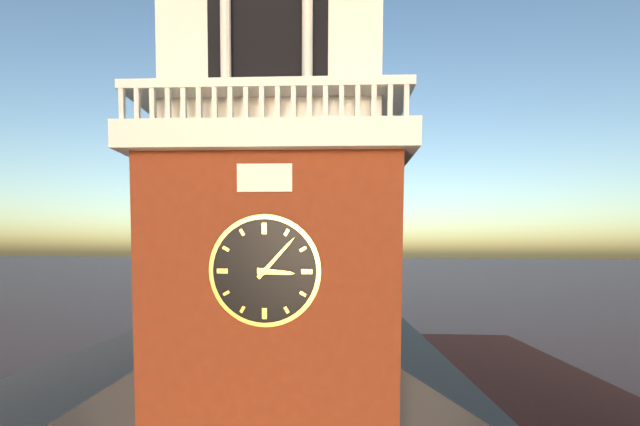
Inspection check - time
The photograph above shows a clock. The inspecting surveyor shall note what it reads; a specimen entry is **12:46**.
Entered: **3:07**
